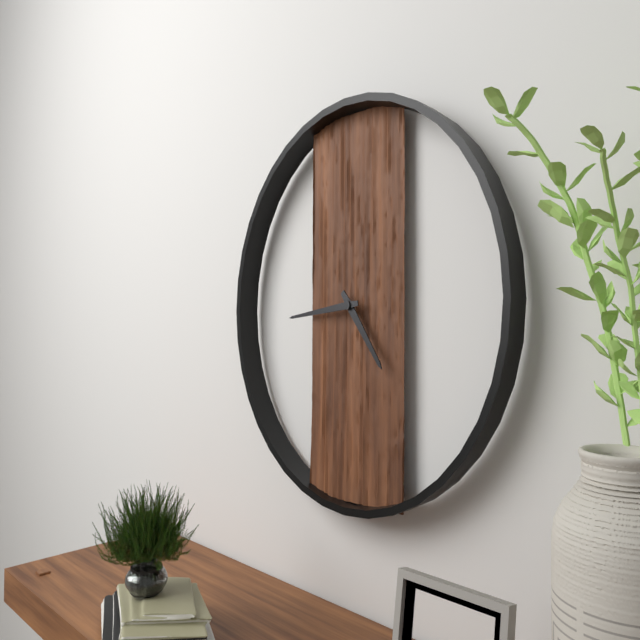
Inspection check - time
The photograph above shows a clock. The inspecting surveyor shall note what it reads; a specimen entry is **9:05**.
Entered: **4:44**
